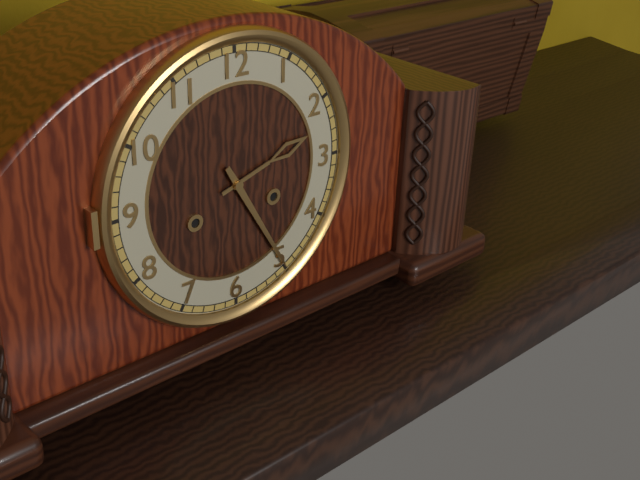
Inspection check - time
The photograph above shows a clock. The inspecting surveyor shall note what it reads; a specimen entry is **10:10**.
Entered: **2:25**
